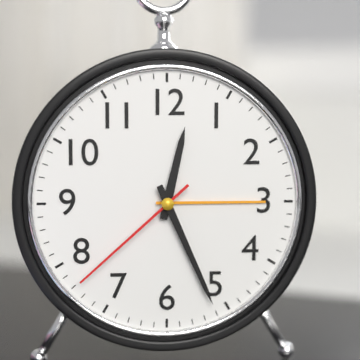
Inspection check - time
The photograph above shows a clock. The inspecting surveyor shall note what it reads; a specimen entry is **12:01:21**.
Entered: **12:26:38**
